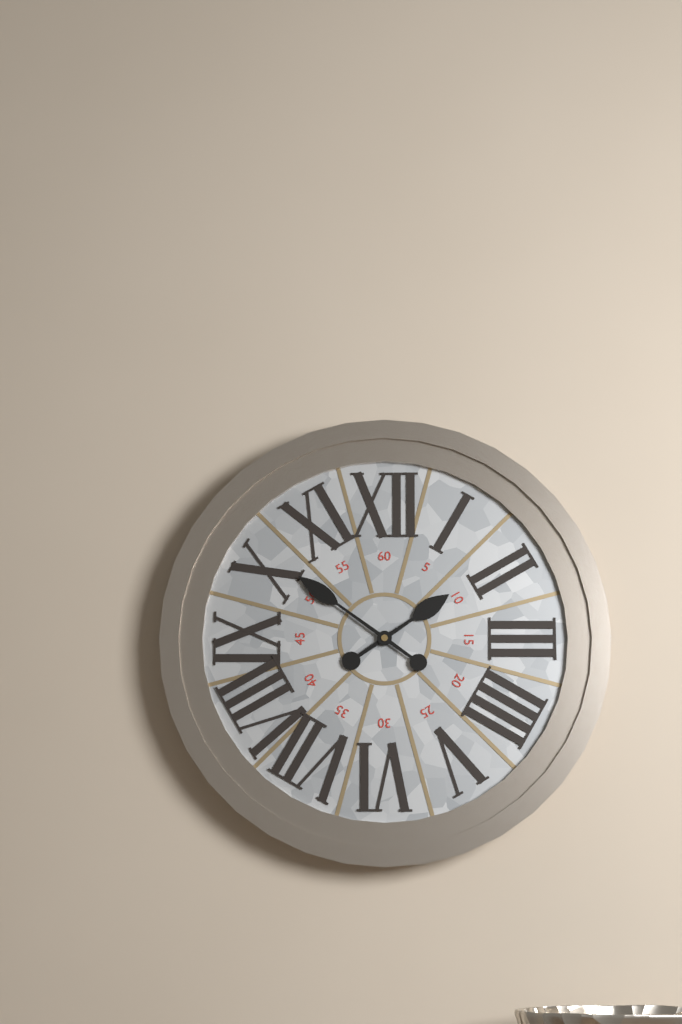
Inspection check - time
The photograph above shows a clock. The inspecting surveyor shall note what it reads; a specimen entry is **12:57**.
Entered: **1:51**
